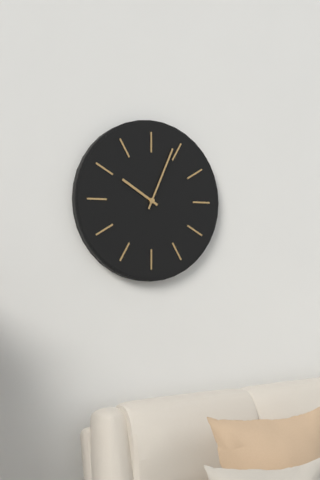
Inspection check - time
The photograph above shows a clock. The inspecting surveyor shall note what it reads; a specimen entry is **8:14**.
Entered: **10:04**
